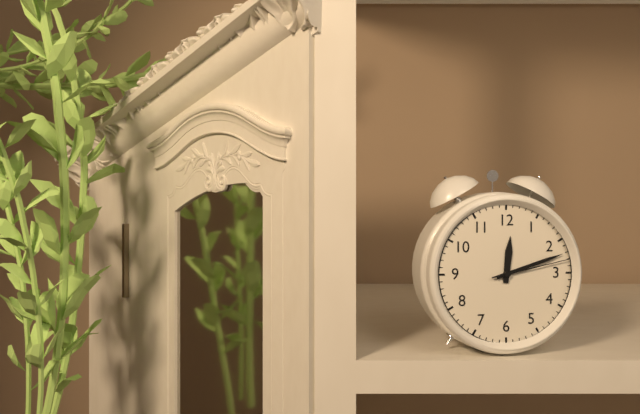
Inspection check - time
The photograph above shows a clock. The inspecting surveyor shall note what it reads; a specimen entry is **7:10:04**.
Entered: **12:12:13**
